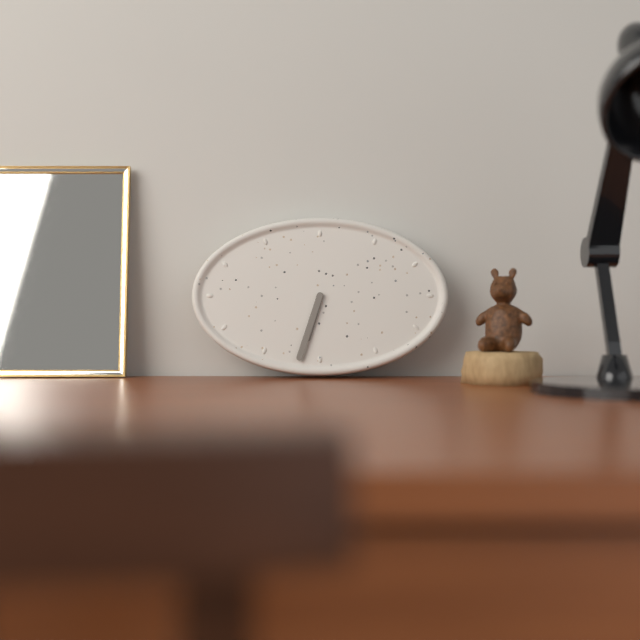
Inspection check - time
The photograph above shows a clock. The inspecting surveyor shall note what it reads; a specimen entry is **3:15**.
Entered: **6:33**
